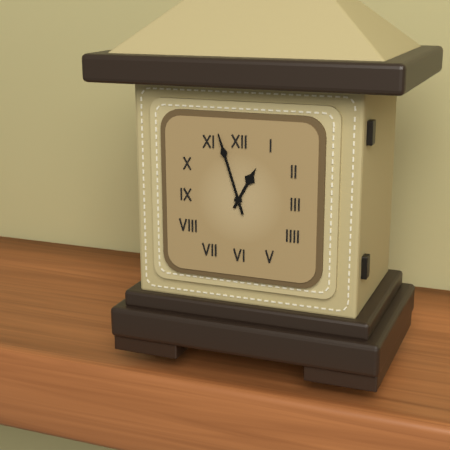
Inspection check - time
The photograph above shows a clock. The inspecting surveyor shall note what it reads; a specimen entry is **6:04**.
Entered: **12:57**
